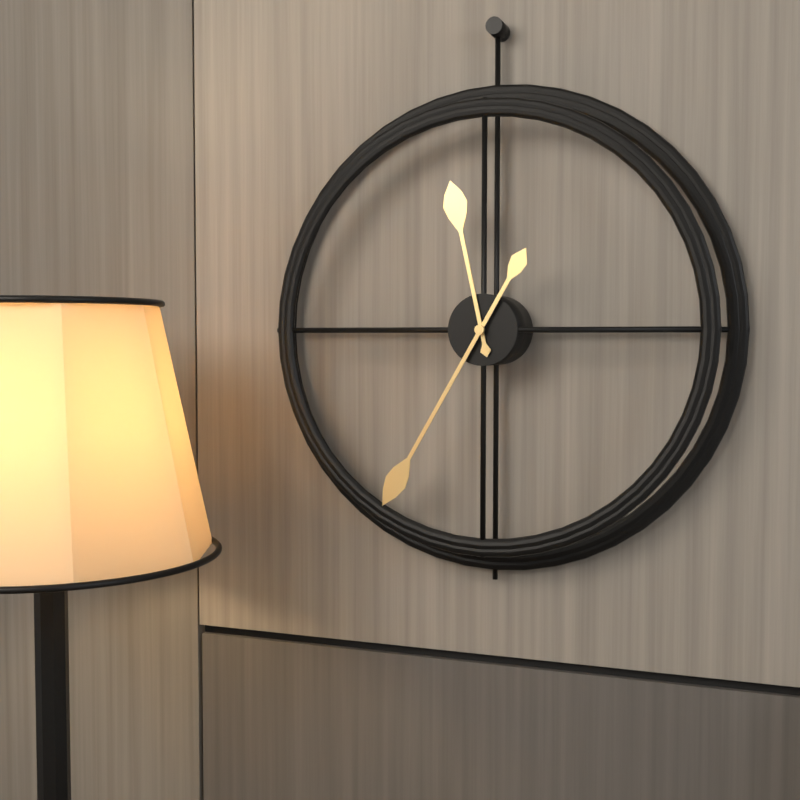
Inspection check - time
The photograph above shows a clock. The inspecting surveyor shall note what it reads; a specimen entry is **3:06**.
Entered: **11:35**
